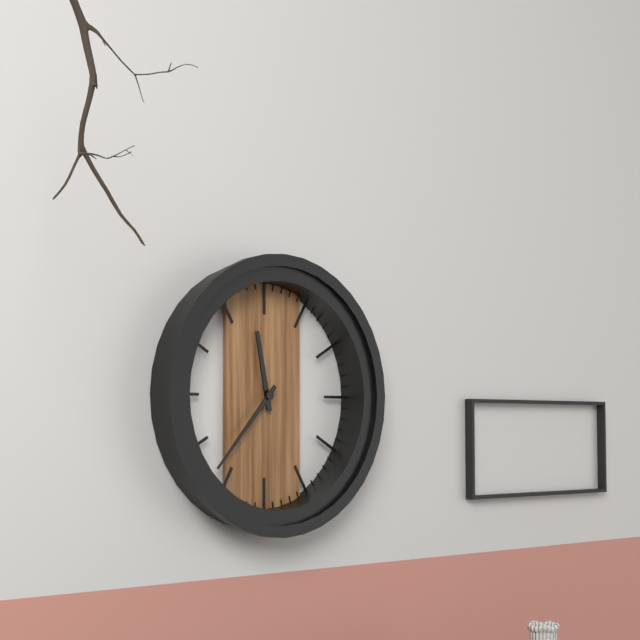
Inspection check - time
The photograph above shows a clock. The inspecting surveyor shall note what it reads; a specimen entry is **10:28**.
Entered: **11:37**
